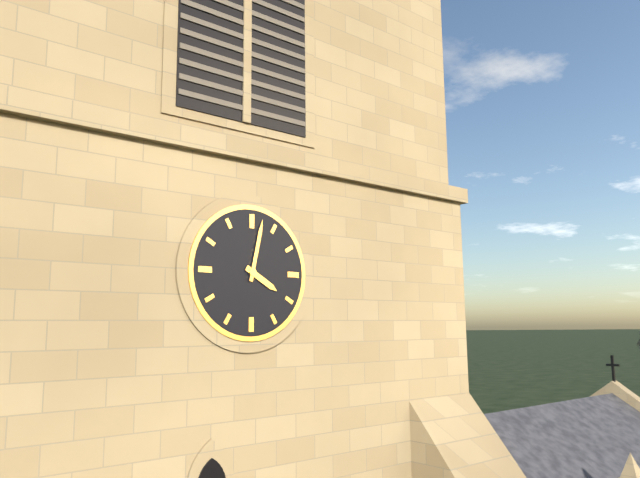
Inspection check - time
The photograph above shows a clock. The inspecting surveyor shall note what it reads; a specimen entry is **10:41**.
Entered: **4:02**
